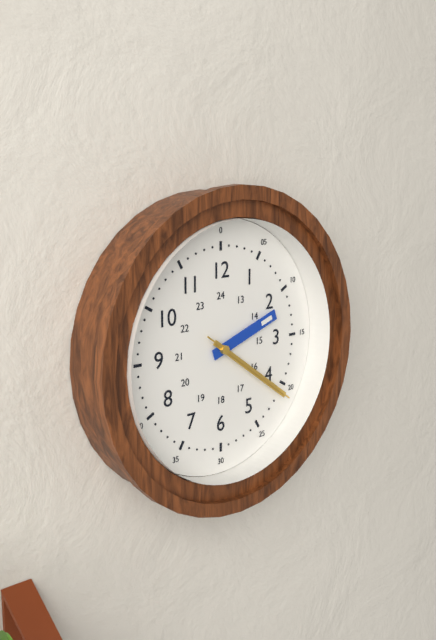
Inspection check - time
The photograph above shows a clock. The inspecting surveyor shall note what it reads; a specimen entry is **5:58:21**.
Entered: **2:21:21**
